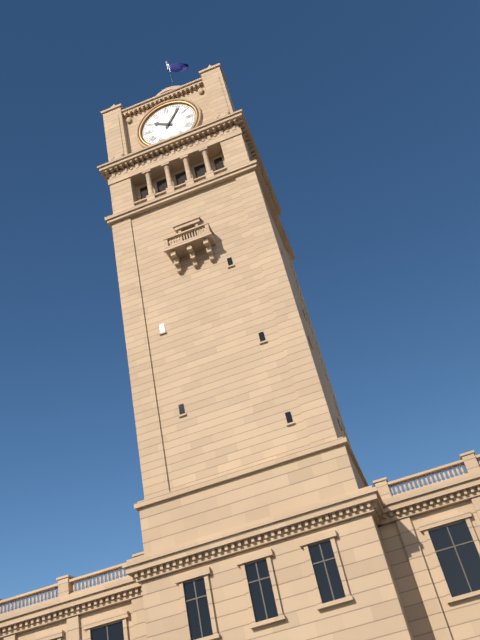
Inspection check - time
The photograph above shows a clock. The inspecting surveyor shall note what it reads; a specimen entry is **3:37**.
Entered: **10:06**
